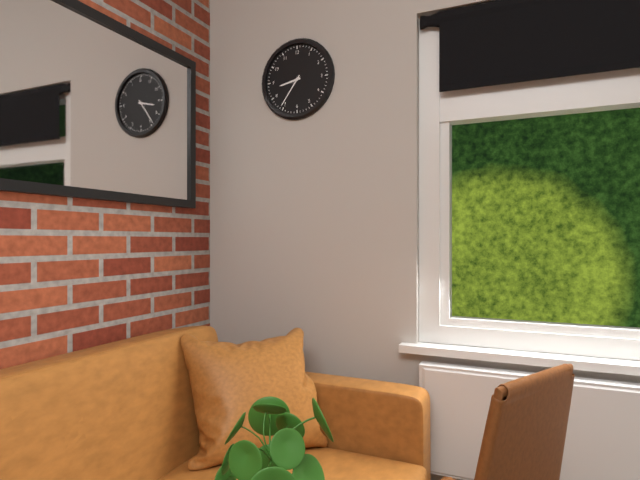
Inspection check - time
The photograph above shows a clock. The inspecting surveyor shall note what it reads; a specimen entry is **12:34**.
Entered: **8:36**
